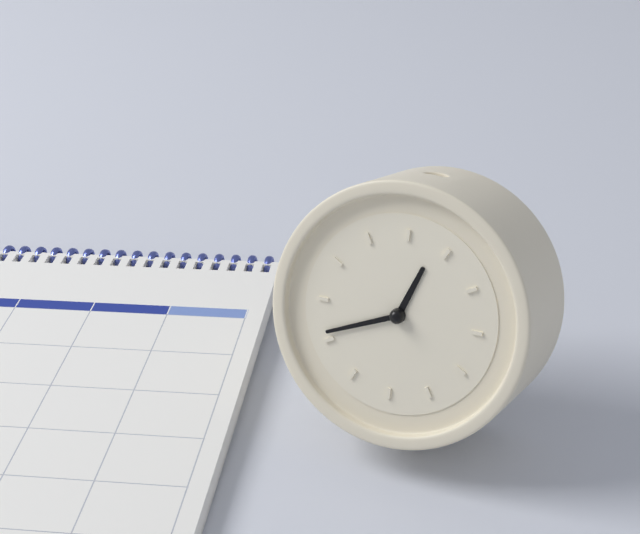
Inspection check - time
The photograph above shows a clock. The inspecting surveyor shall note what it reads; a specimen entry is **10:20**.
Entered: **12:41**
